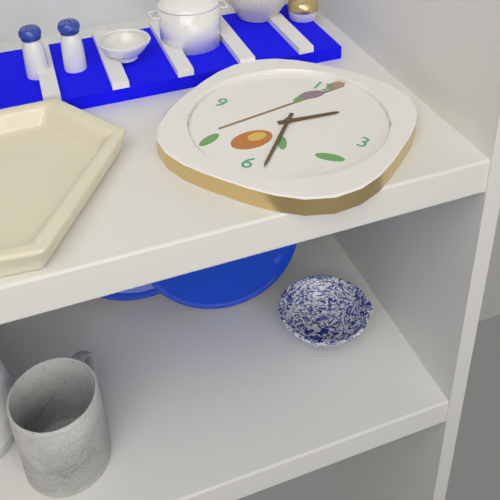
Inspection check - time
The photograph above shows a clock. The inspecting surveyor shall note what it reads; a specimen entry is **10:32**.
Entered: **1:28**
